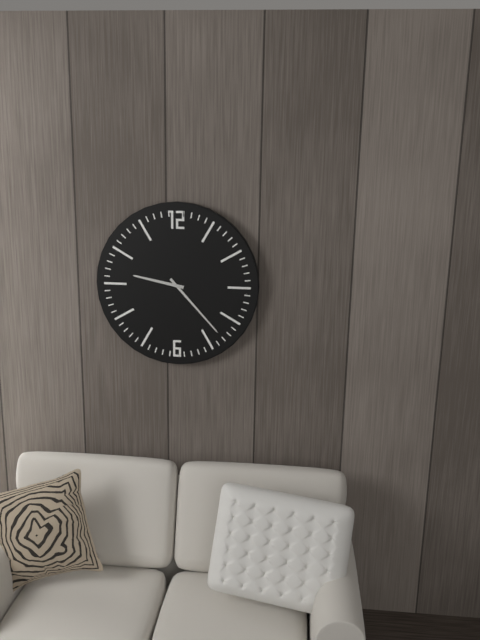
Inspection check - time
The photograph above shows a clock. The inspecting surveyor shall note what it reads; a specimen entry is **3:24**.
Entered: **9:23**
